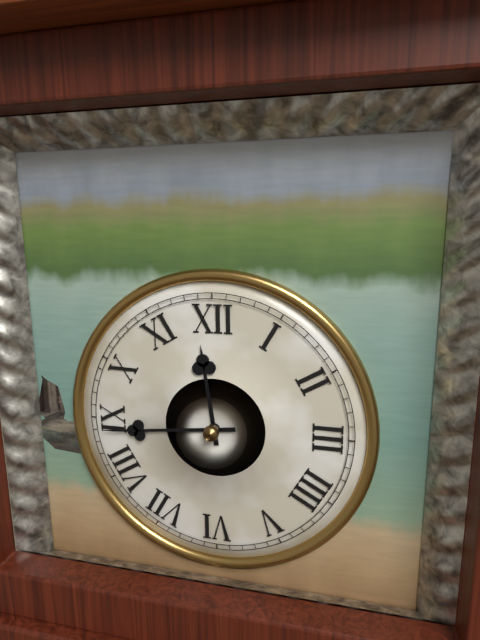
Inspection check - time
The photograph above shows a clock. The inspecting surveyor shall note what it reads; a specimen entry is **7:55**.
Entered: **11:44**
